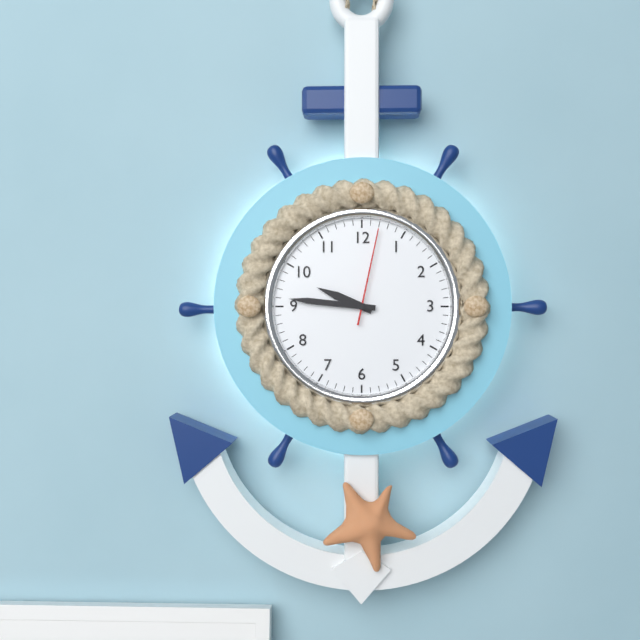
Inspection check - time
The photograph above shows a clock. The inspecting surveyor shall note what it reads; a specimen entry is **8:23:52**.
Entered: **9:46:02**
